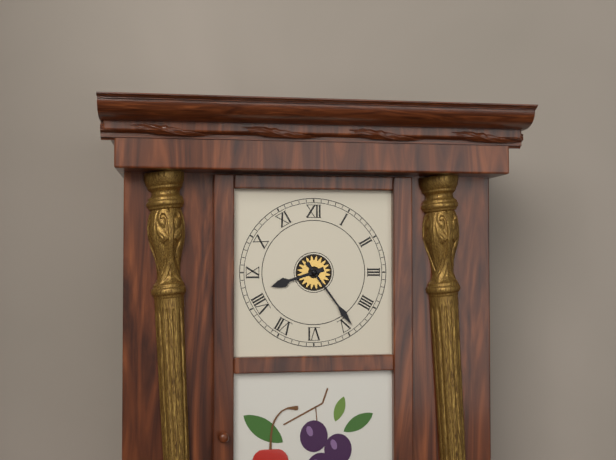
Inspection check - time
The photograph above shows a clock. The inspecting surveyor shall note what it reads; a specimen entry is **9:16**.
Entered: **8:24**
